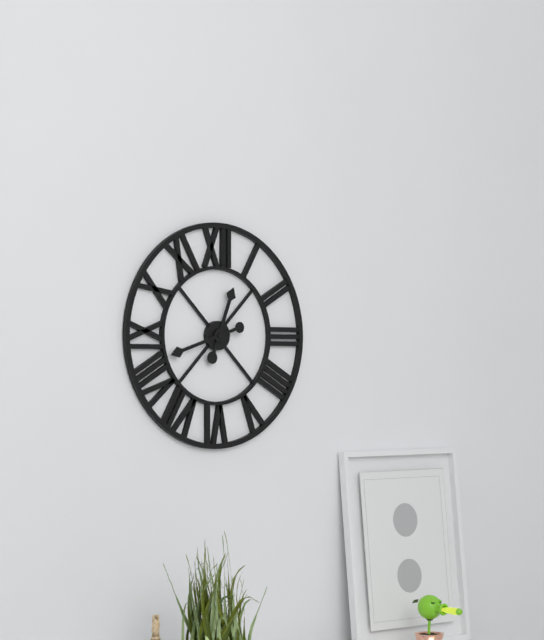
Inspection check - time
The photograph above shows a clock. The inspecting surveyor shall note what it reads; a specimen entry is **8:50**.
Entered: **12:42**
